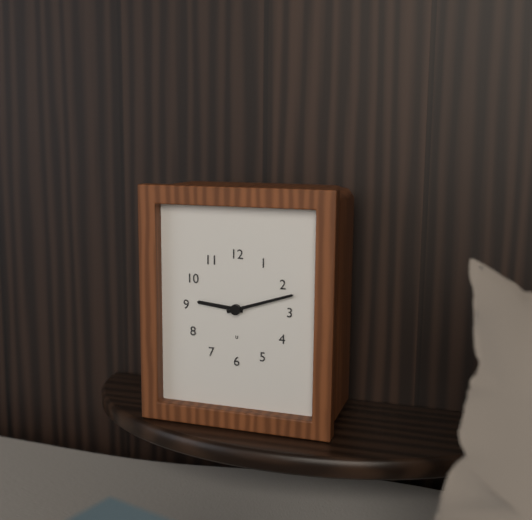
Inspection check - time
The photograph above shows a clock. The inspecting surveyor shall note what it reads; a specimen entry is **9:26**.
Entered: **9:12**
